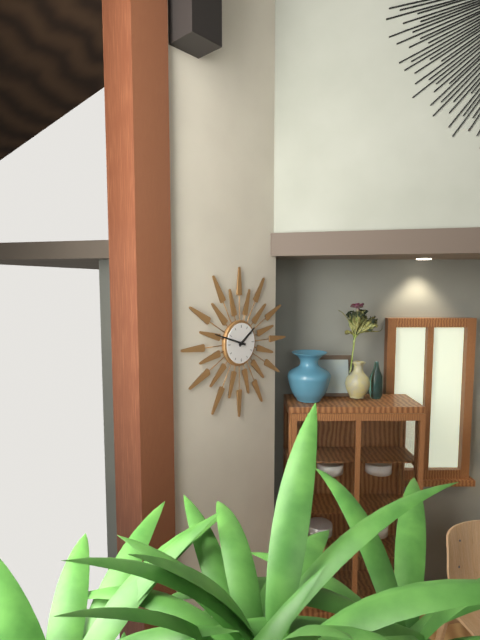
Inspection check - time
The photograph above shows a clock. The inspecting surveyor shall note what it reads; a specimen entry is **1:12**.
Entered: **1:48**
